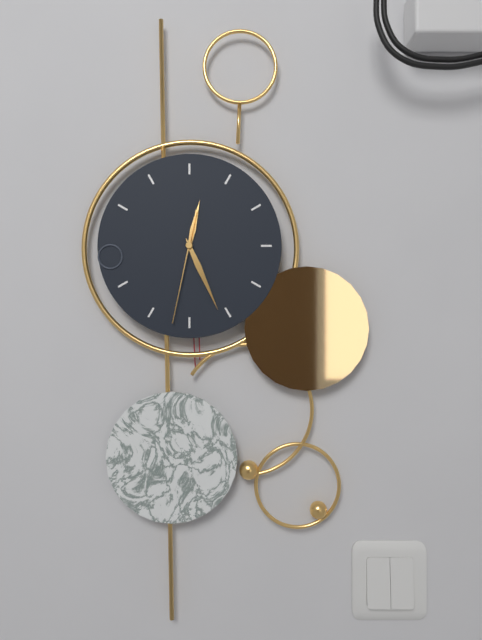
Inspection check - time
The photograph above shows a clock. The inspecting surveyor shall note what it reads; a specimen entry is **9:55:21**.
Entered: **12:26:32**
